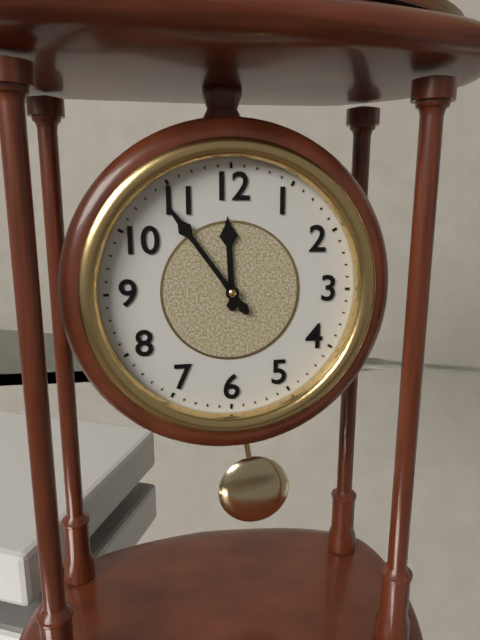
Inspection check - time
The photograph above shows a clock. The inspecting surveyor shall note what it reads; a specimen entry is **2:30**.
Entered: **11:54**
